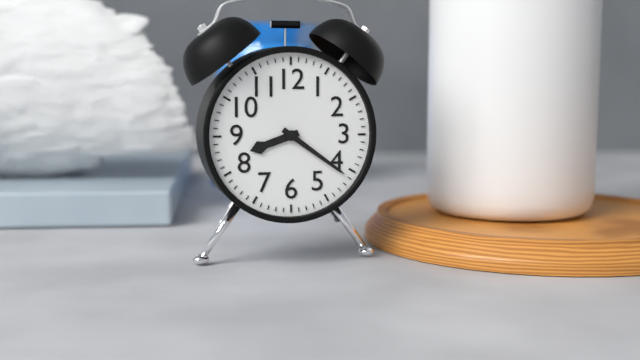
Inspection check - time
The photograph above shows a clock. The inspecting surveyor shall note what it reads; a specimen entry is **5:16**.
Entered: **8:21**
